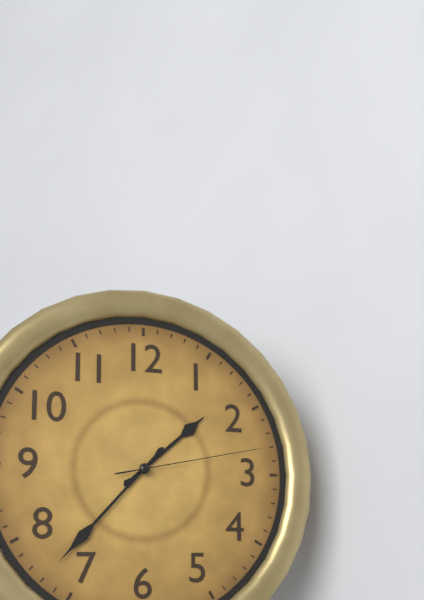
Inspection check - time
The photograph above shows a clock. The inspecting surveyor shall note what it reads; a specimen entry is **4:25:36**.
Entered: **1:37:13**
